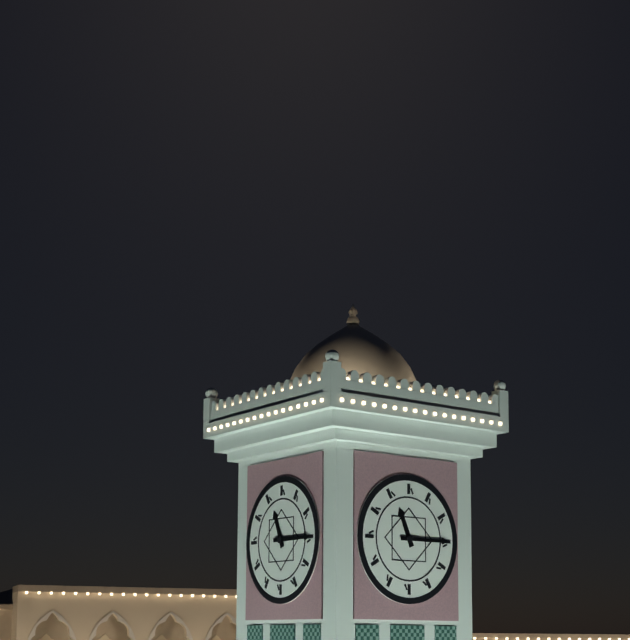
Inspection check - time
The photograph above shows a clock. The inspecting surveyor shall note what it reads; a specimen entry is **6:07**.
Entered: **11:15**
